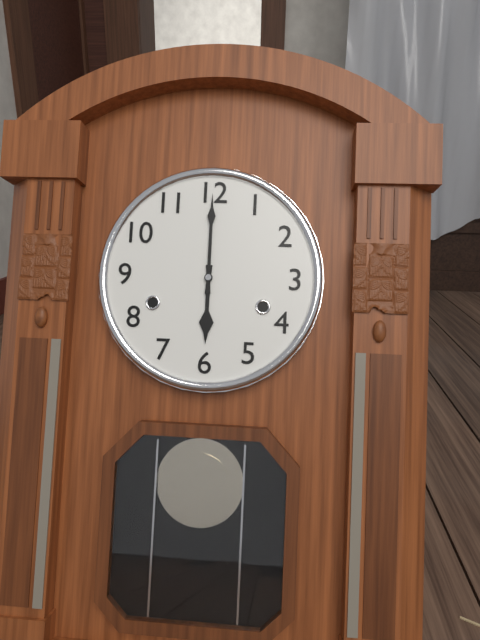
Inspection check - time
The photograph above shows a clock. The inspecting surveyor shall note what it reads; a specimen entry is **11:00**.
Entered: **6:00**
